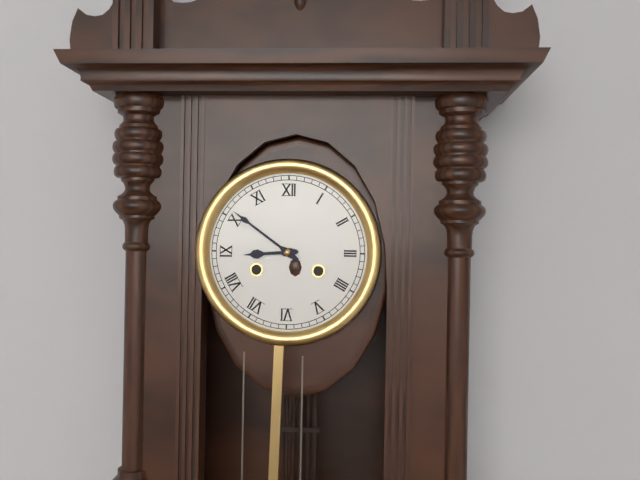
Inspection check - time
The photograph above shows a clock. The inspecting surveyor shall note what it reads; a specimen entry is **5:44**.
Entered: **8:51**
